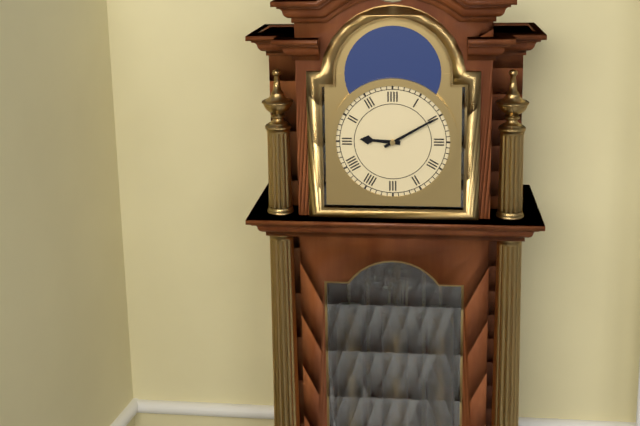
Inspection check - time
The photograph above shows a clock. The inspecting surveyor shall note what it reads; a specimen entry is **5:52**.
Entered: **9:10**
